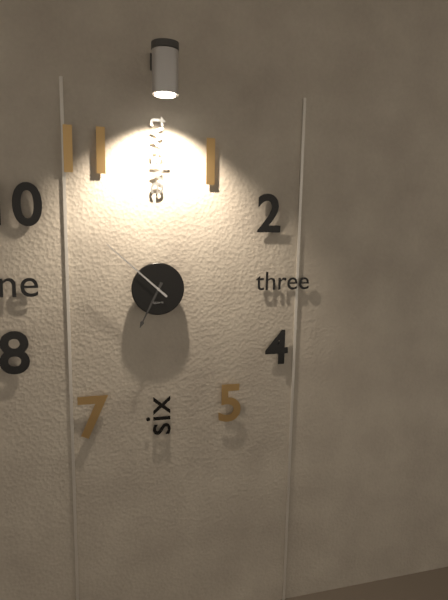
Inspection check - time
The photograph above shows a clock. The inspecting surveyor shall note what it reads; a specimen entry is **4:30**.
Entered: **6:52**
